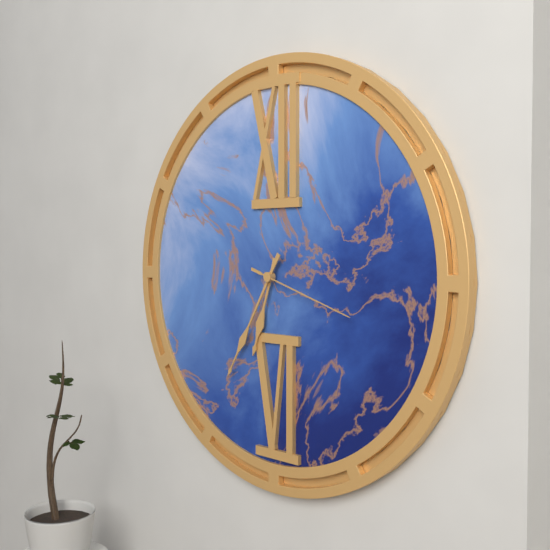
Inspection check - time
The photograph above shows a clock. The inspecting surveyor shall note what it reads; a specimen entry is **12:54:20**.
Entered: **6:35:18**
